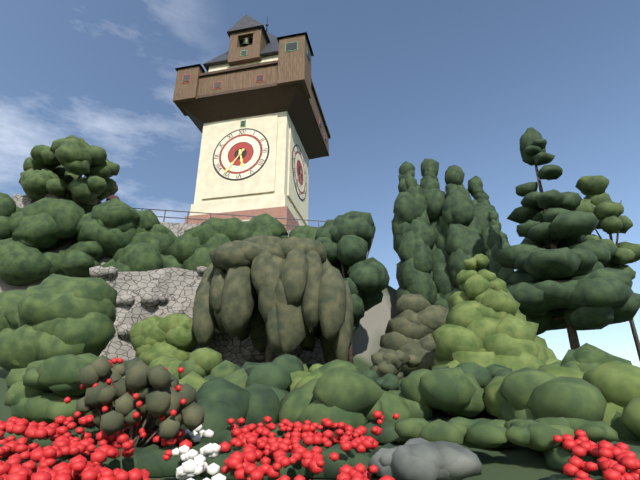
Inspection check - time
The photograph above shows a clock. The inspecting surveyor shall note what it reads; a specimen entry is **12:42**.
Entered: **5:36**
